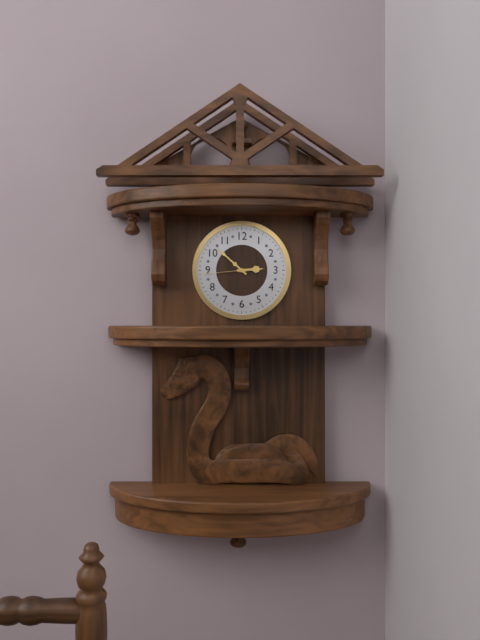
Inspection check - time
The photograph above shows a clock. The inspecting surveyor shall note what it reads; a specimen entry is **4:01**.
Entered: **2:52**
